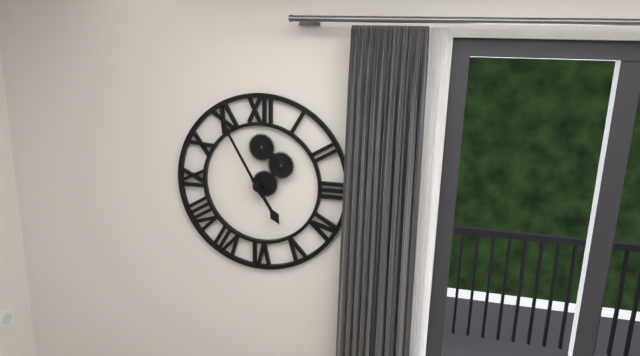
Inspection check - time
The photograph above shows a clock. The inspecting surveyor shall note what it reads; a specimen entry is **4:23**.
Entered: **4:55**
